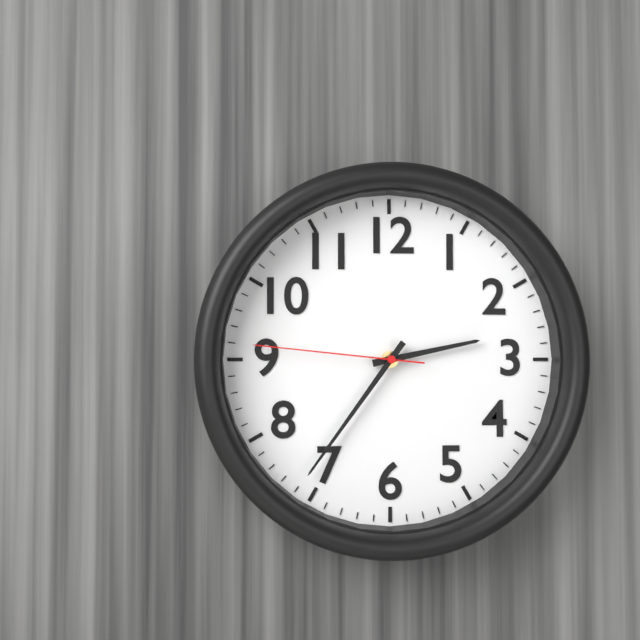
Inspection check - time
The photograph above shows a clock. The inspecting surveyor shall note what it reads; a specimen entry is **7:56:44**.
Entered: **2:36:46**
